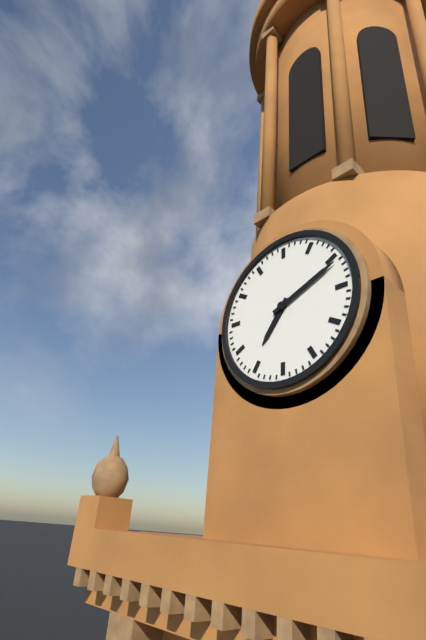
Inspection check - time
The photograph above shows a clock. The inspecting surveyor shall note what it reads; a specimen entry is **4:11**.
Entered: **7:11**
